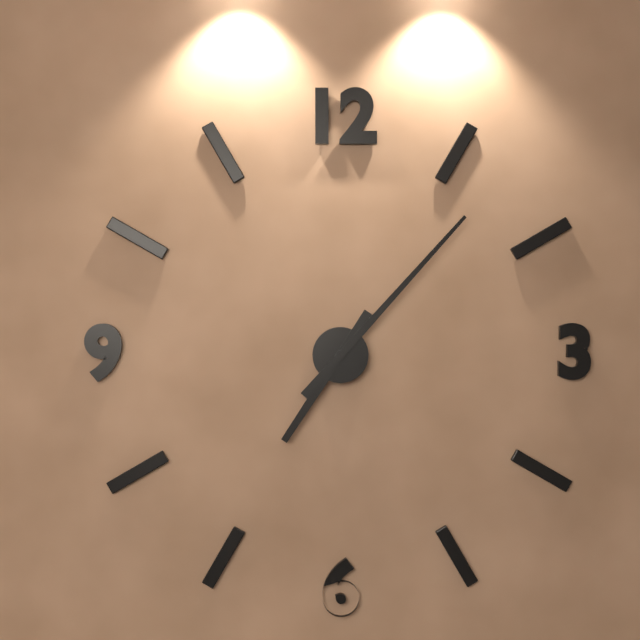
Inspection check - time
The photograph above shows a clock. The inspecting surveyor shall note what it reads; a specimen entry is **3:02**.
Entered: **7:07**
